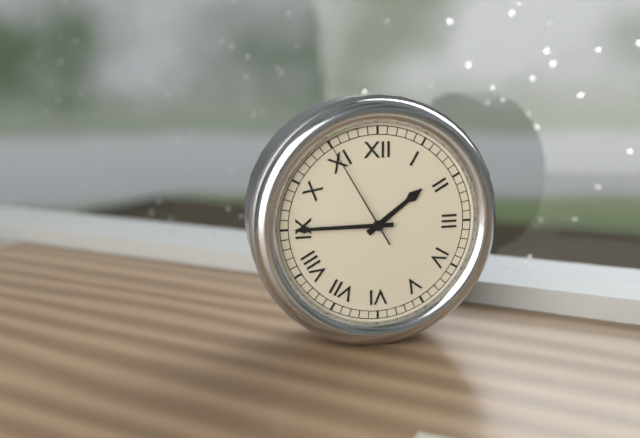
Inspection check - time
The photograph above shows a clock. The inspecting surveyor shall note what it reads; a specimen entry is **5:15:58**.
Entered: **1:45:55**
